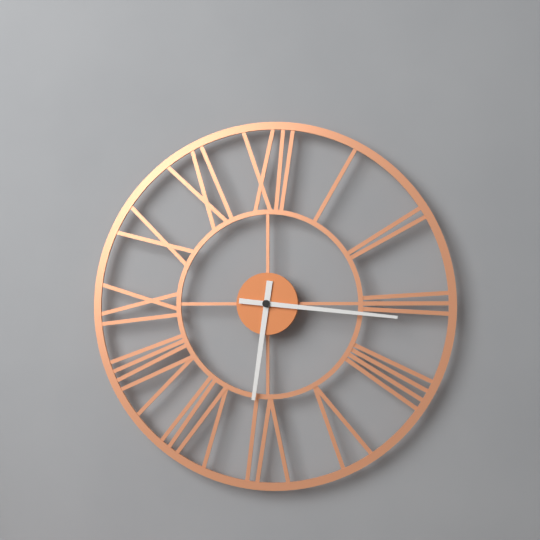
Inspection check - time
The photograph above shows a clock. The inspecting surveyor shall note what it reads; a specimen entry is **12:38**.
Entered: **6:16**
